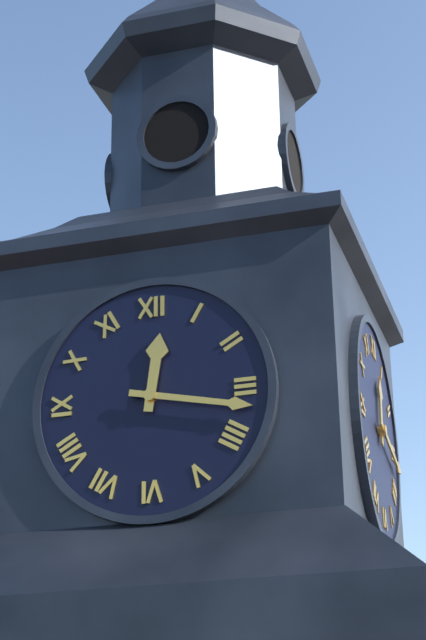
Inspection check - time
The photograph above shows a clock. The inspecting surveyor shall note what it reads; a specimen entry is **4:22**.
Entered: **12:17**
